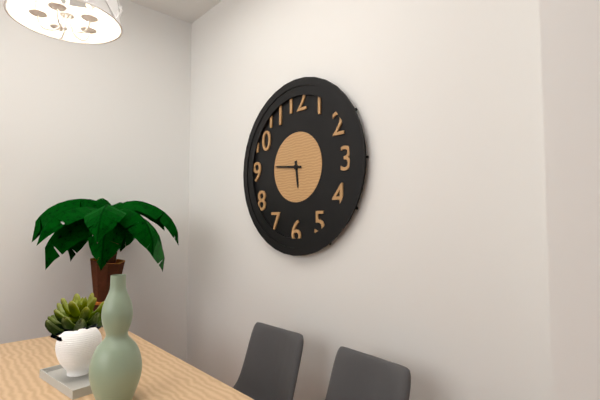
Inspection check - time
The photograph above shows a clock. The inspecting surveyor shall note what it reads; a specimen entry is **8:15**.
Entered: **5:46**
